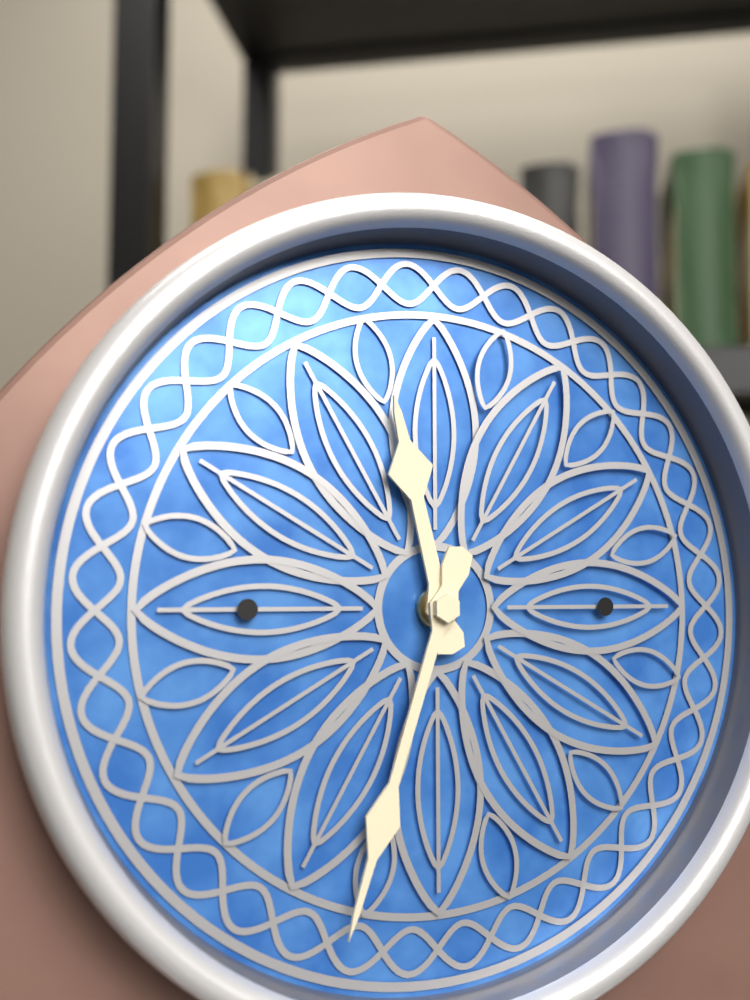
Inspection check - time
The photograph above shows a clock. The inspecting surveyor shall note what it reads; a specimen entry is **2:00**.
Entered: **11:33**
